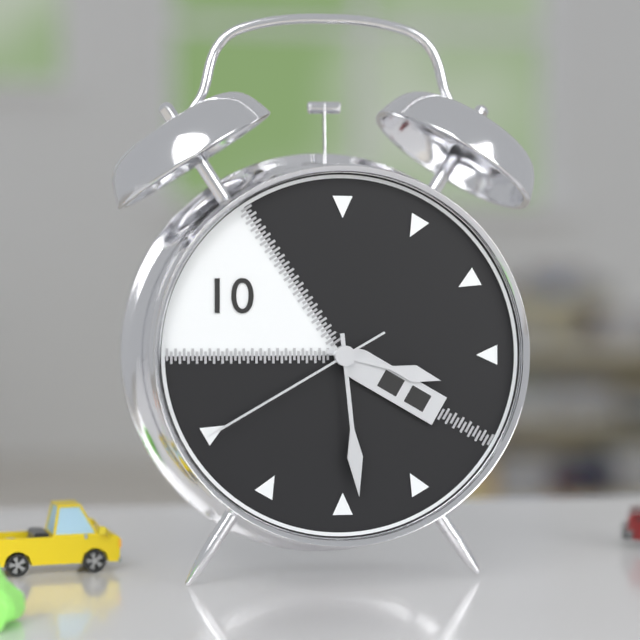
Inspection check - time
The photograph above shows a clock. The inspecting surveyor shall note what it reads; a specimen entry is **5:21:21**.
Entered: **3:29:40**
